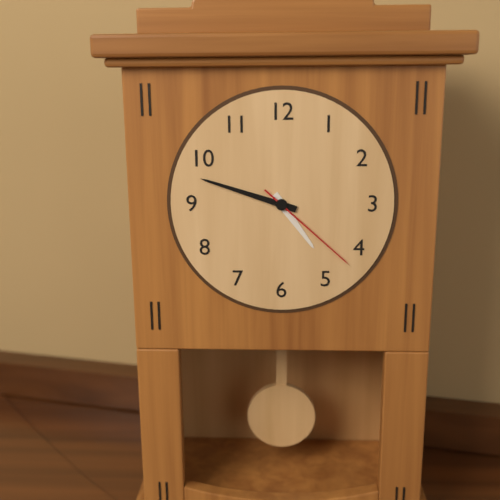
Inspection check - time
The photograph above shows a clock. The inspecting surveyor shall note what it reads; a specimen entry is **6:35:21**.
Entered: **4:48:22**
